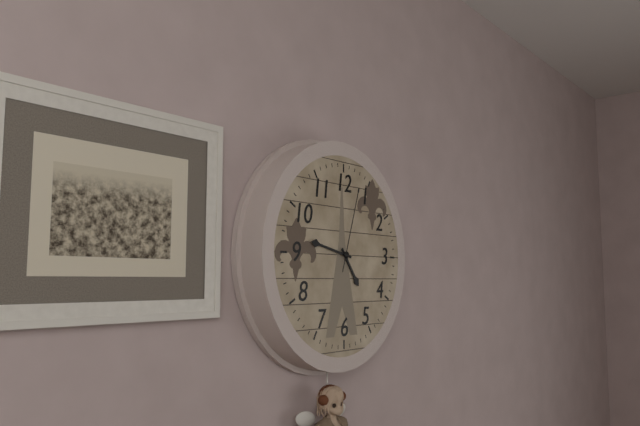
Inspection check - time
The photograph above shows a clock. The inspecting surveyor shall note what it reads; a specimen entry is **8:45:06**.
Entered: **4:47:03**
